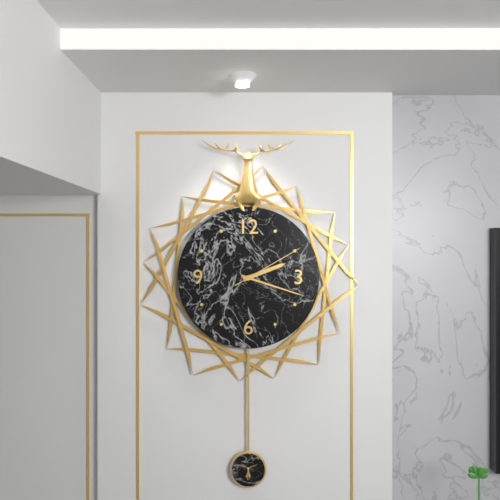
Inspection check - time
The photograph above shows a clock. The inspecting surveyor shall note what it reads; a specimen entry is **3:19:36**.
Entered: **2:18:10**
